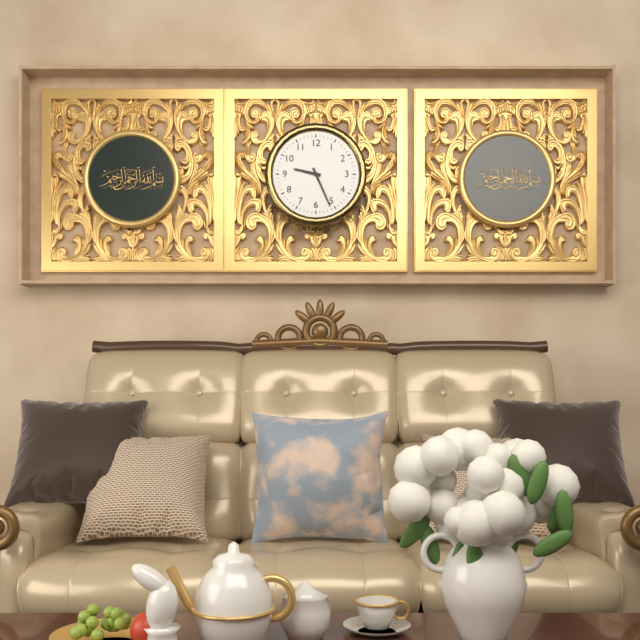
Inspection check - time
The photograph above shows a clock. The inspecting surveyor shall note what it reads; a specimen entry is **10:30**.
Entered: **9:26**
